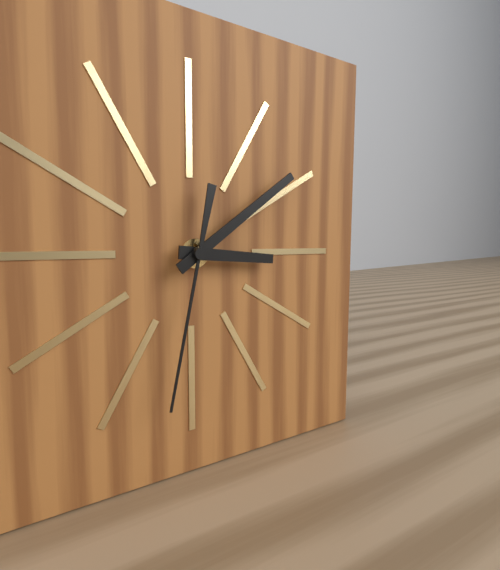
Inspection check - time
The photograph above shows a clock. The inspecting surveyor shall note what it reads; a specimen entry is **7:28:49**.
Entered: **3:09:32**
